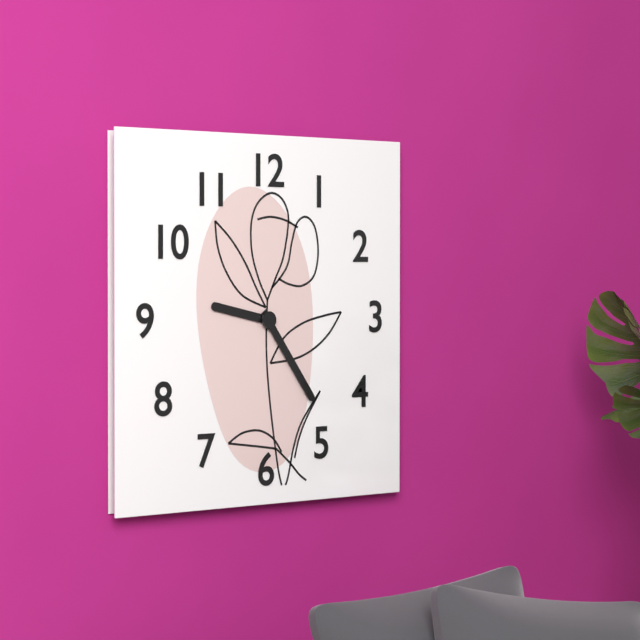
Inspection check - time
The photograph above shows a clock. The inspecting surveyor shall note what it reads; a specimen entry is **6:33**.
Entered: **9:24**
